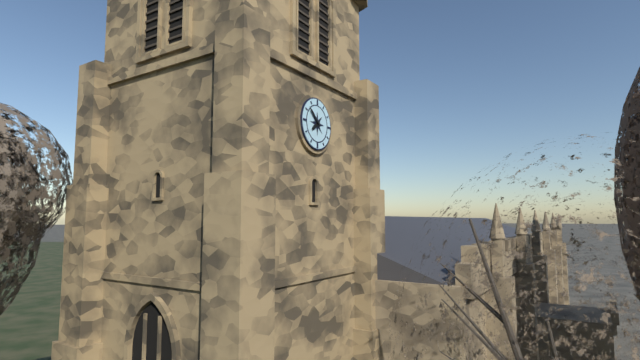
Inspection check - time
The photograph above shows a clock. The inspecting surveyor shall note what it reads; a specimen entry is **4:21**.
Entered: **7:52**
